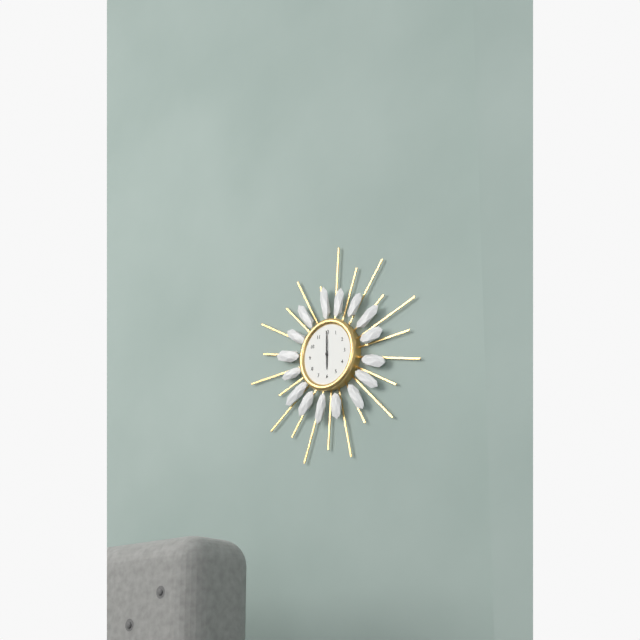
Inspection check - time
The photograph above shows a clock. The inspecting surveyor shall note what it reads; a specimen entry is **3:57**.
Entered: **6:00**
